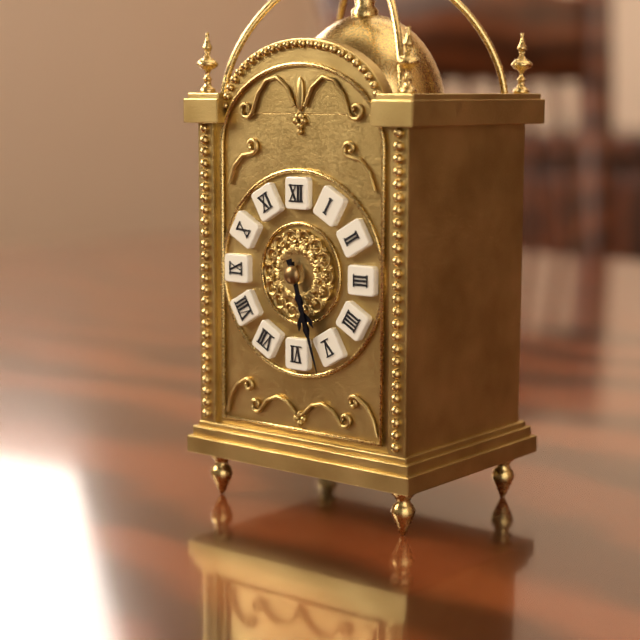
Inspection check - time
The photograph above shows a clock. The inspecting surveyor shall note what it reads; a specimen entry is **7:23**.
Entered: **5:27**
